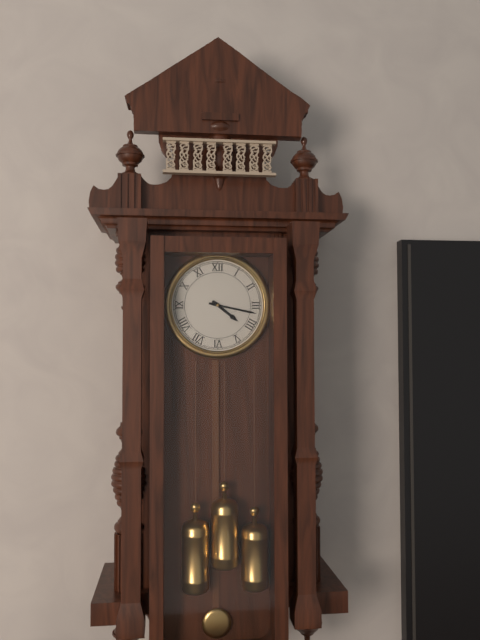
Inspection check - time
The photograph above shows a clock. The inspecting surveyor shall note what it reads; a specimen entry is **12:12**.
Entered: **4:17**
